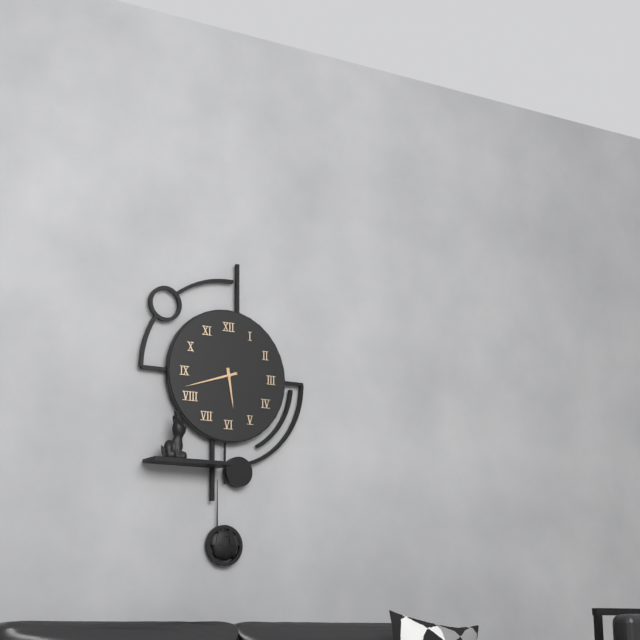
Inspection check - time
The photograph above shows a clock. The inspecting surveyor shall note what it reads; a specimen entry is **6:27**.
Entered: **5:42**
